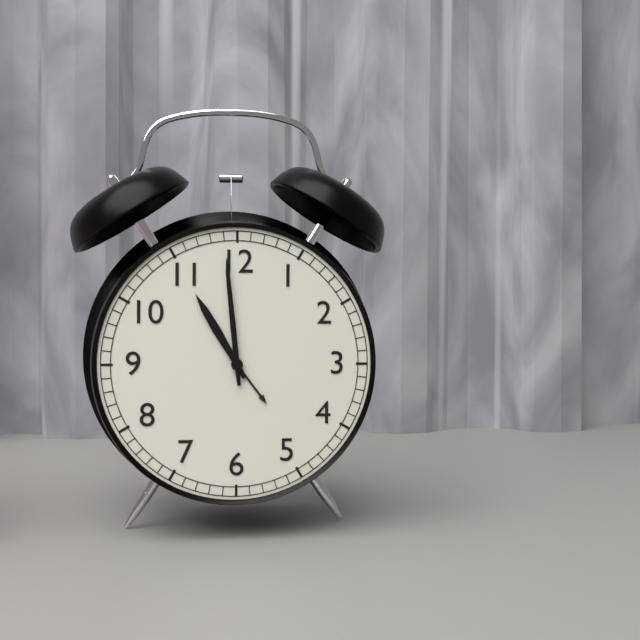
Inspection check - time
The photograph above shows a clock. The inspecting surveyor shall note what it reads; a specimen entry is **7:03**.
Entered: **10:59**
